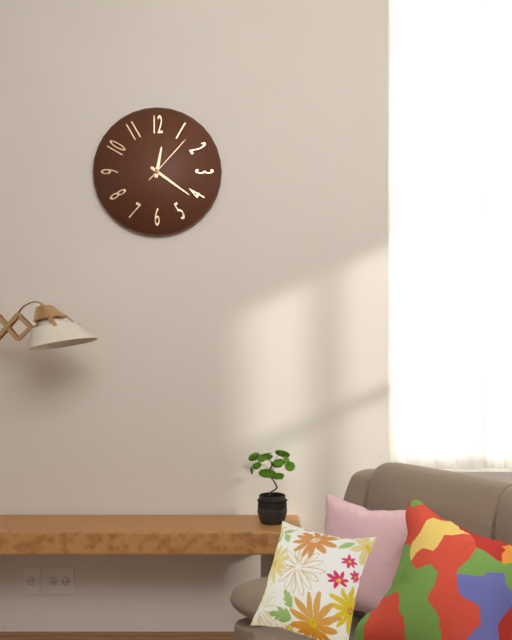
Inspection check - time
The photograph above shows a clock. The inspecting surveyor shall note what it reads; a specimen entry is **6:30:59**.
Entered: **12:21:07**
